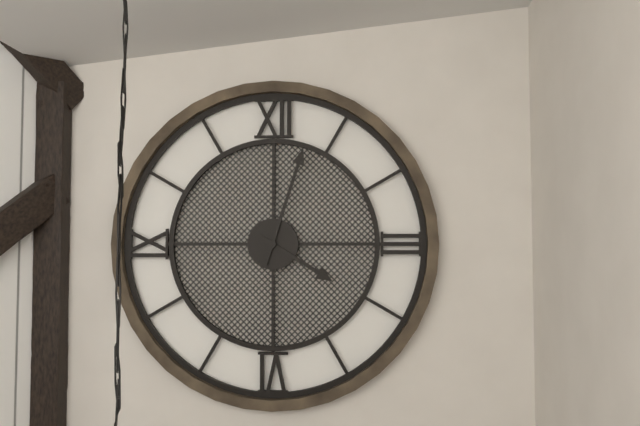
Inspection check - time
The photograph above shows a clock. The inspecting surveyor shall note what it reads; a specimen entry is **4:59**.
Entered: **4:03**
